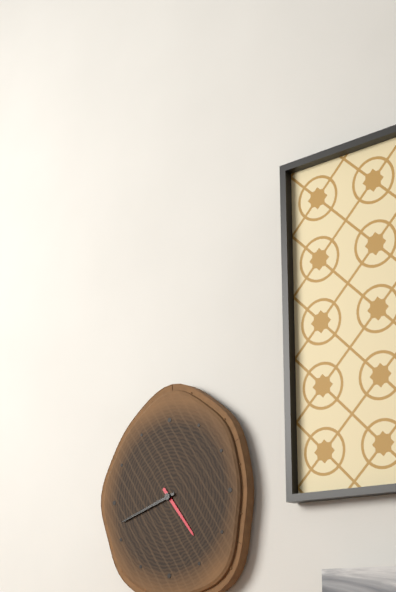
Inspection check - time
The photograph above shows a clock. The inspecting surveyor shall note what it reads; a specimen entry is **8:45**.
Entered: **4:42**
